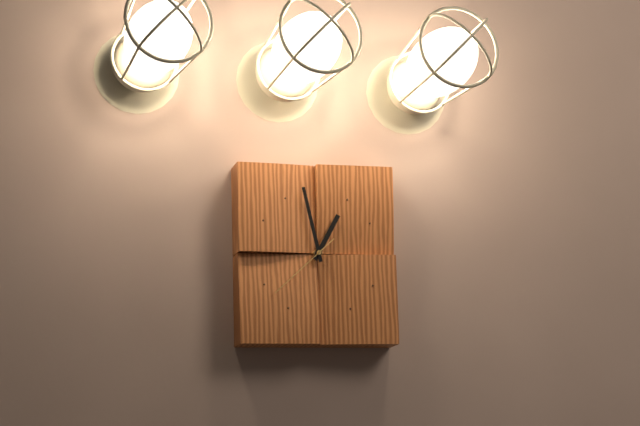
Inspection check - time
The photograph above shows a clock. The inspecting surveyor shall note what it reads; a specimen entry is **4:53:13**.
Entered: **12:58:38**
